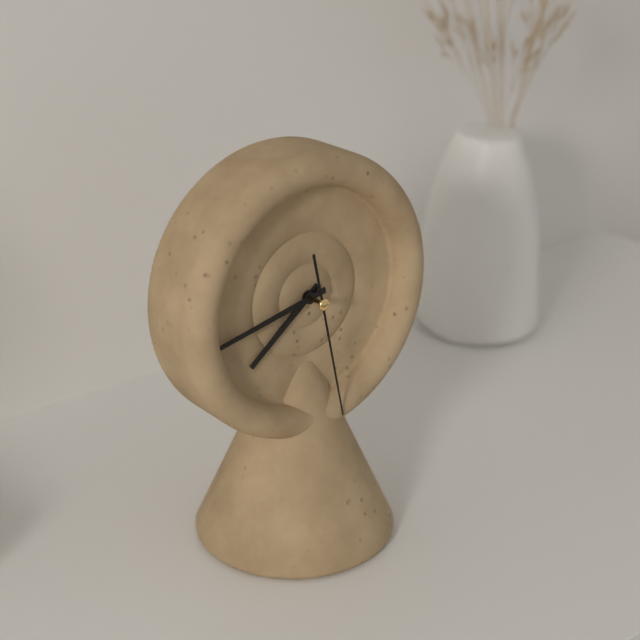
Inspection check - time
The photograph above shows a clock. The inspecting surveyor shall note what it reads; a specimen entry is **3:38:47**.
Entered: **7:43:28**
